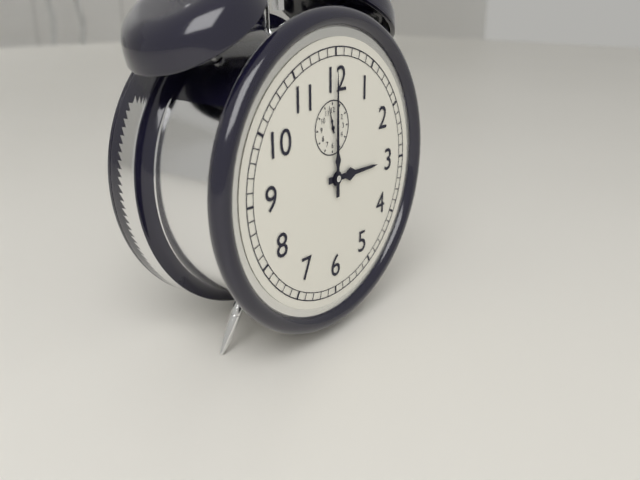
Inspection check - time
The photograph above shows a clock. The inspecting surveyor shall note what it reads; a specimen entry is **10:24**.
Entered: **3:00**
